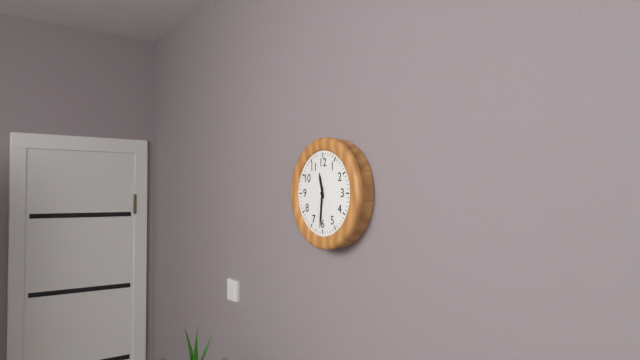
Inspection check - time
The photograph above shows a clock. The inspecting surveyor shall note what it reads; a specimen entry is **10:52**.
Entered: **11:31**
